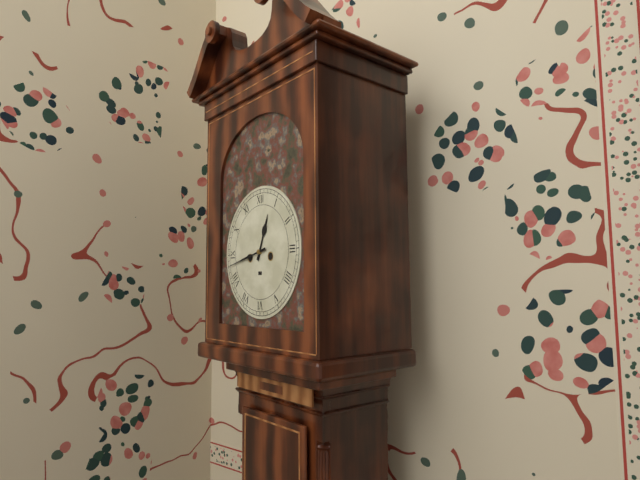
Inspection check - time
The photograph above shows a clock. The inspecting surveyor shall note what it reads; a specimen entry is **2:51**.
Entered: **12:43**
